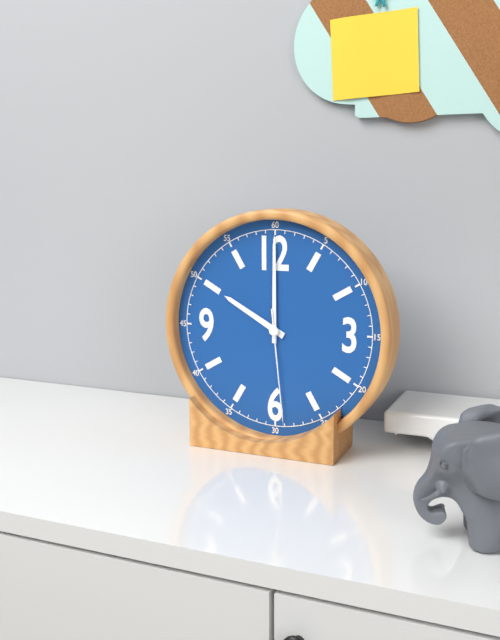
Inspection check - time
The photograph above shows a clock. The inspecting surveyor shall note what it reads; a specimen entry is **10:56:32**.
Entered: **10:00:29**
